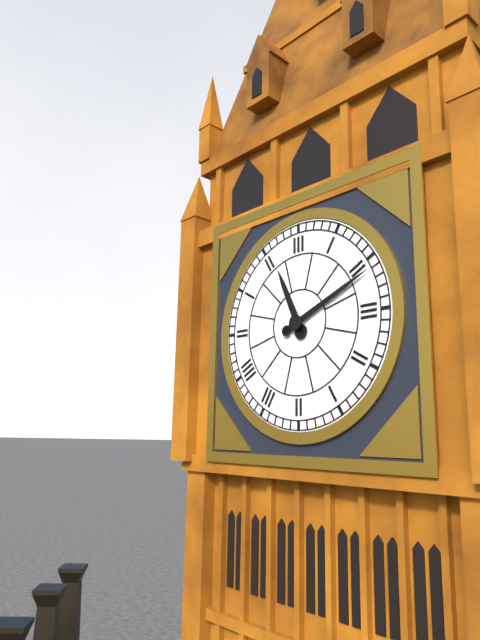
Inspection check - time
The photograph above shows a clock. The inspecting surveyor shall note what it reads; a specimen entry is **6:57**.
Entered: **11:11**
